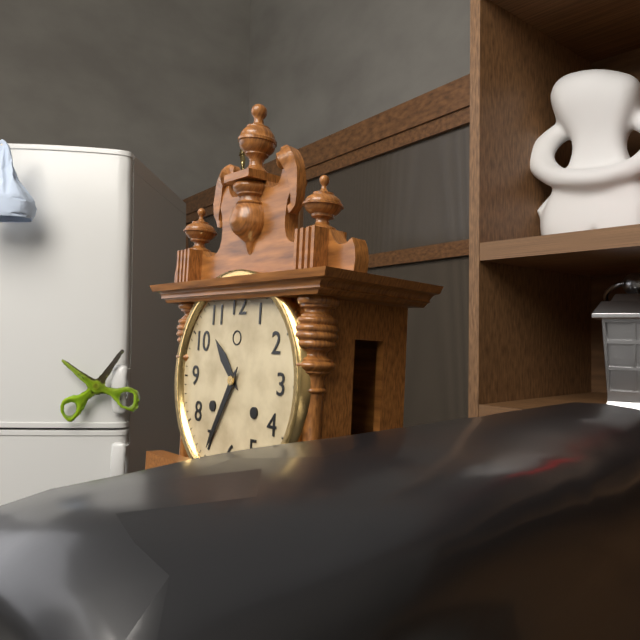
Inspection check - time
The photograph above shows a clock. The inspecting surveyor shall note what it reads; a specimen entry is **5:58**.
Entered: **10:35**
